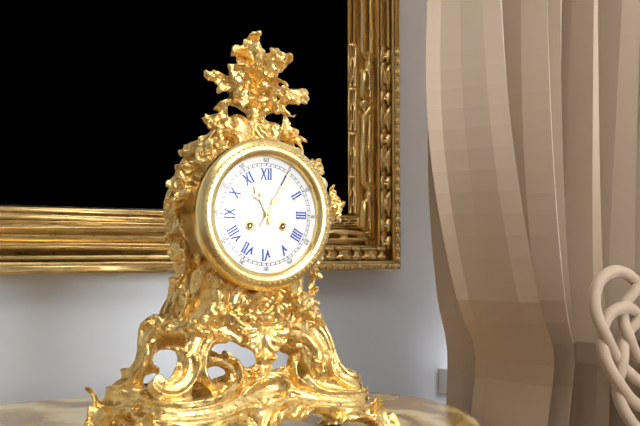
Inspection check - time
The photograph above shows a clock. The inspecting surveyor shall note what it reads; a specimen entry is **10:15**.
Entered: **11:05**
